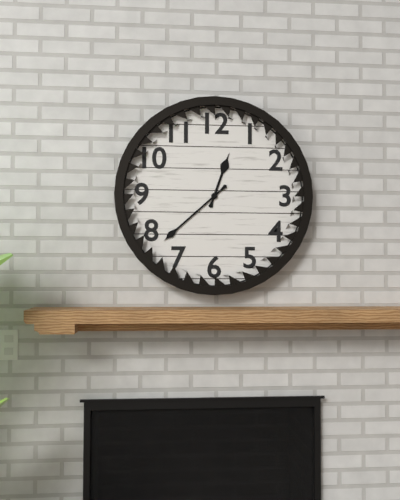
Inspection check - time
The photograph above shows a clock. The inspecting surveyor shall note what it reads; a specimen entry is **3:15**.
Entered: **12:38**
